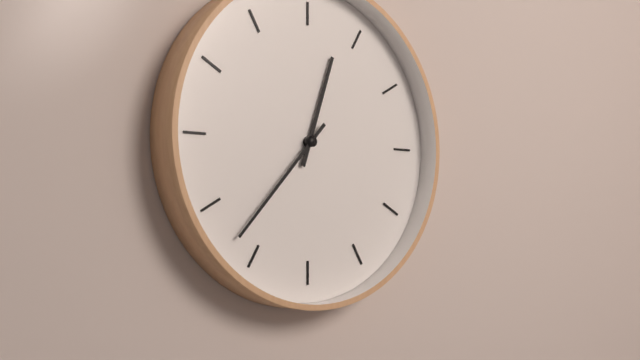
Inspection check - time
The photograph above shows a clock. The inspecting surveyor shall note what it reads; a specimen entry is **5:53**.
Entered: **12:37**
